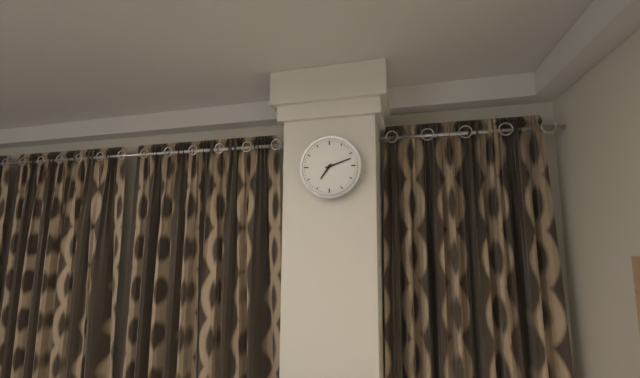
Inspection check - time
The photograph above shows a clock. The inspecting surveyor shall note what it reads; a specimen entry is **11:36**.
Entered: **7:12**
